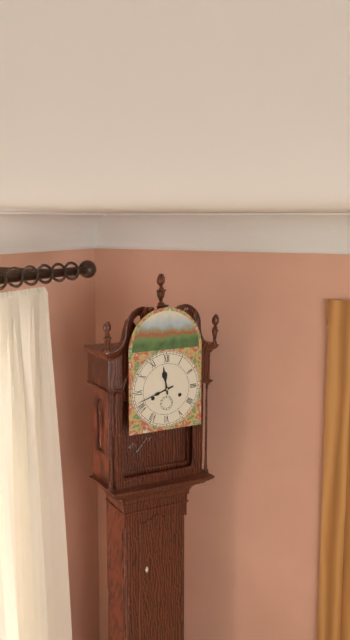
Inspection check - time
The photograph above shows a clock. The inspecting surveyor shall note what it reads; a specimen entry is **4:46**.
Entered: **11:42**
